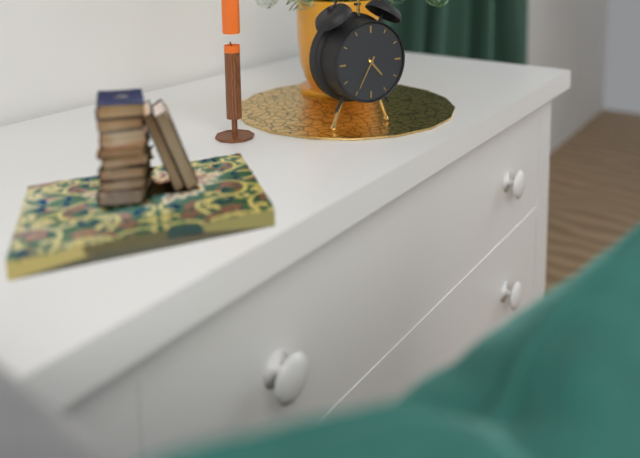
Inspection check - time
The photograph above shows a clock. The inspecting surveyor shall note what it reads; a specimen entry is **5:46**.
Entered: **4:35**
